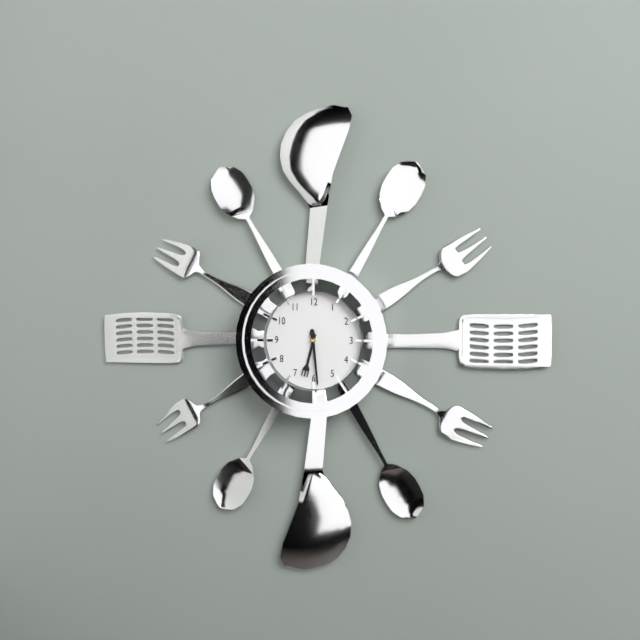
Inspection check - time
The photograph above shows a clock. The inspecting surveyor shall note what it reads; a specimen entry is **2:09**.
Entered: **6:29**
